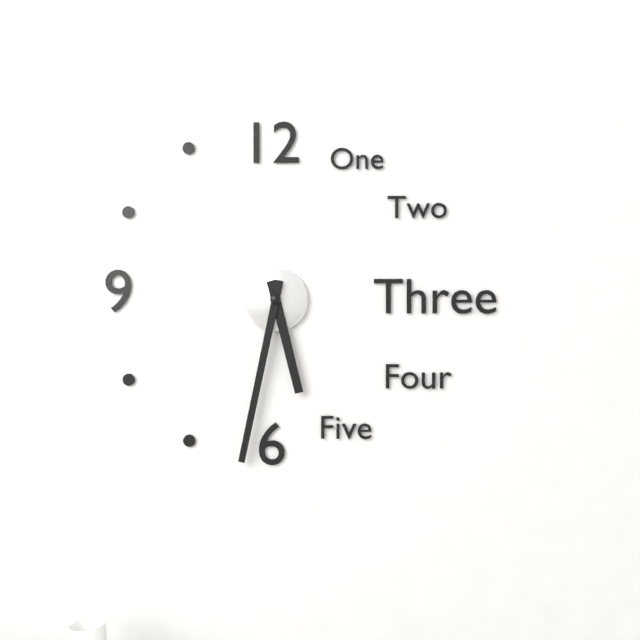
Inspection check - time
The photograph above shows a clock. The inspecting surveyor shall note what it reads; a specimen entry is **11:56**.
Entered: **5:32**
